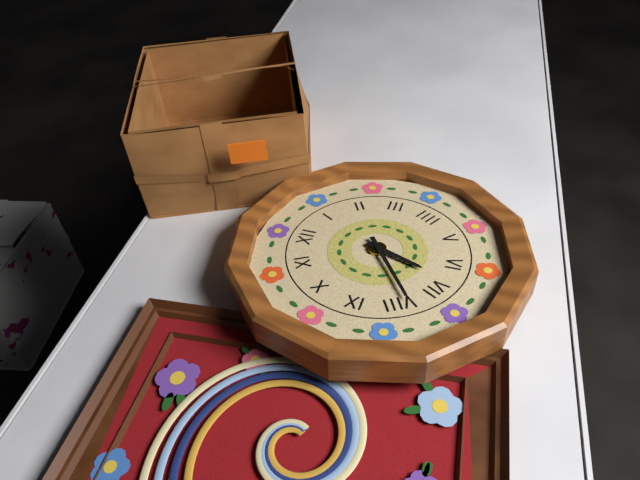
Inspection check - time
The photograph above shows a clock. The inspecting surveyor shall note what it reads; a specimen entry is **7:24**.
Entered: **6:39**
